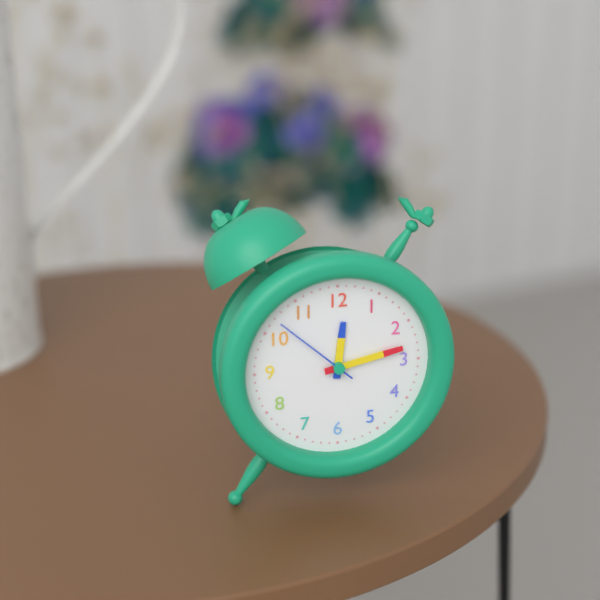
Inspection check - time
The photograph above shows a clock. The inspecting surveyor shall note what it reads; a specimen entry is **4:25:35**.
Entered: **12:13:52**
